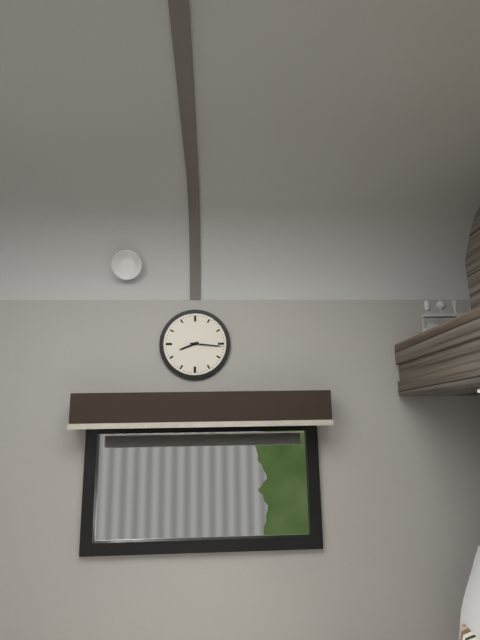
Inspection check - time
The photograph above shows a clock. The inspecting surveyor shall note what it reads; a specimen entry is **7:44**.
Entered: **8:16**
